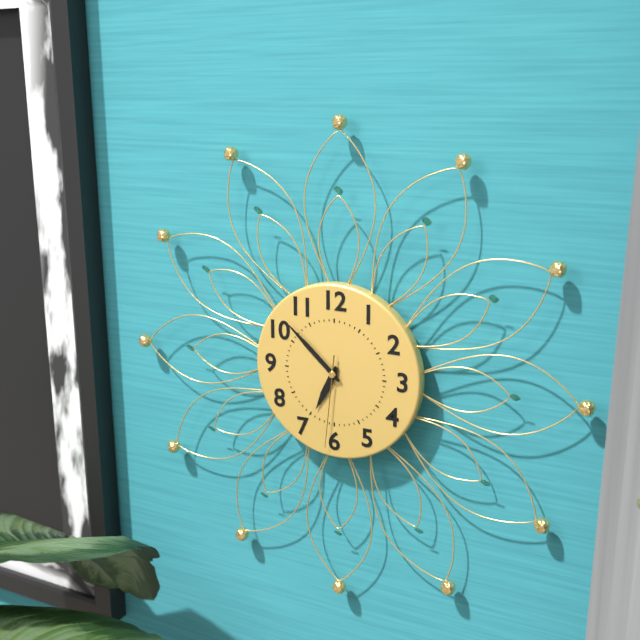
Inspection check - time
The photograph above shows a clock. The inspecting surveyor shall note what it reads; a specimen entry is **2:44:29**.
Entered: **6:52:31**
